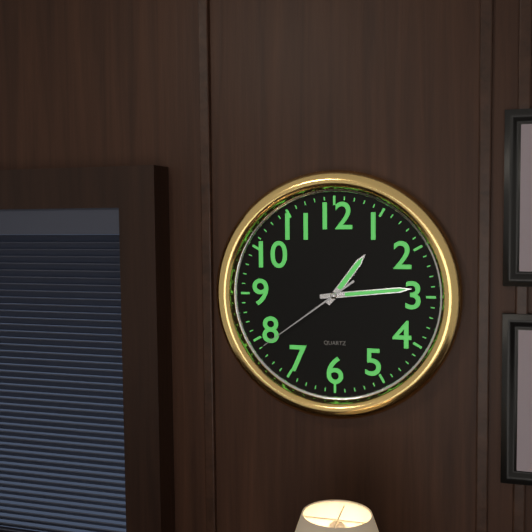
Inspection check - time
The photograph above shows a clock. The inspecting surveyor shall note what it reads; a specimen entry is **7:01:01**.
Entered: **1:14:39**
